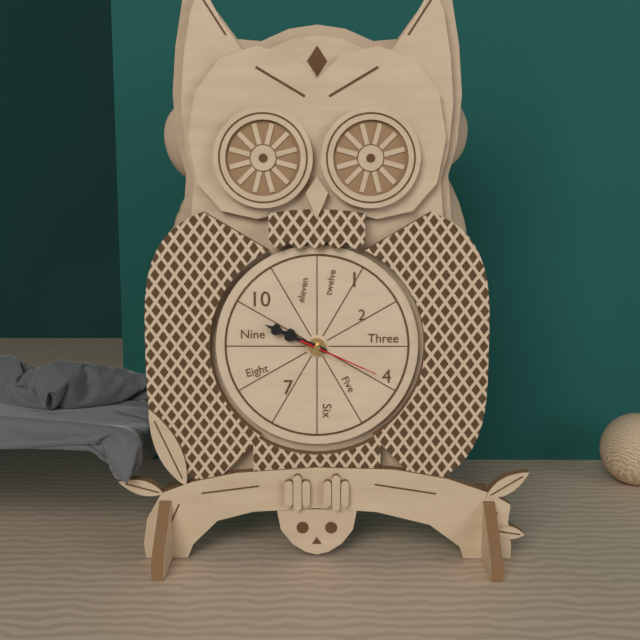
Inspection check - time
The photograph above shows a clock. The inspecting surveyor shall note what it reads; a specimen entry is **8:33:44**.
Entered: **9:49:19**
